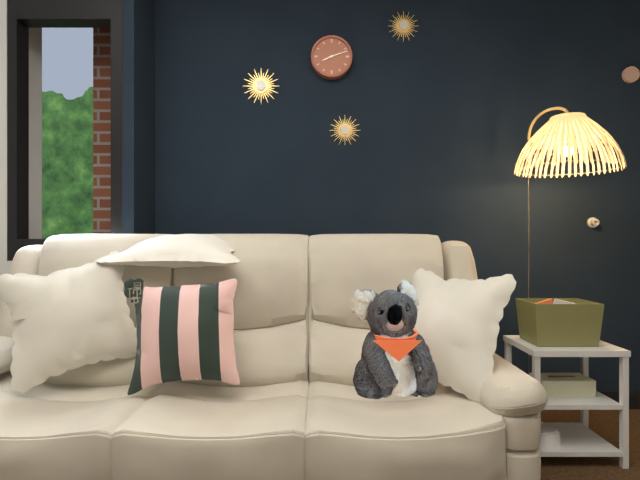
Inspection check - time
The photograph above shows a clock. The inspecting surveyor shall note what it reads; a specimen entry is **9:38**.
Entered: **8:12**
